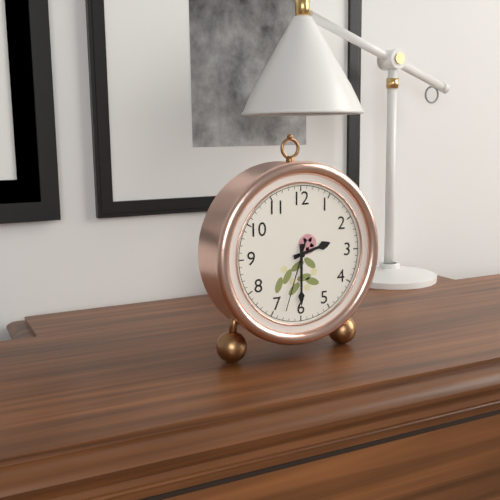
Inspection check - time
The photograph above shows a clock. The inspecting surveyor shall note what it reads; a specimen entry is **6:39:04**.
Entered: **2:30:33**
